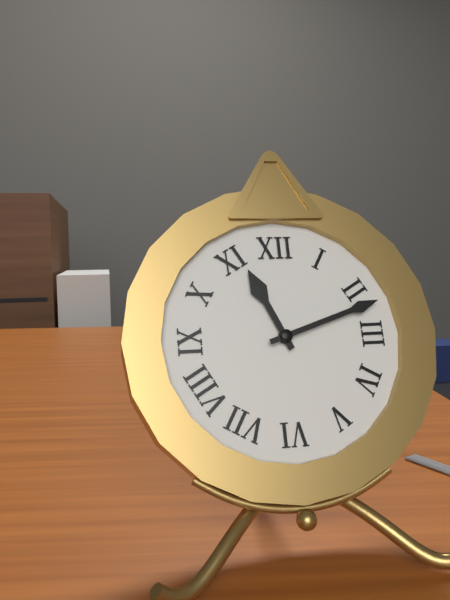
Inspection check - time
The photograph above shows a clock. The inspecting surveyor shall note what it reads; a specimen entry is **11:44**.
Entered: **11:12**
